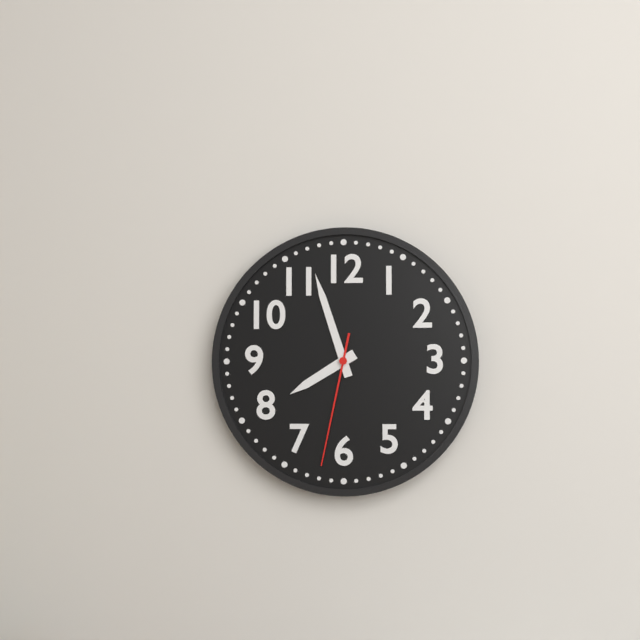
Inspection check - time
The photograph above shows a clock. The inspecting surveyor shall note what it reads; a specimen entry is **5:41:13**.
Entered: **7:57:32**
